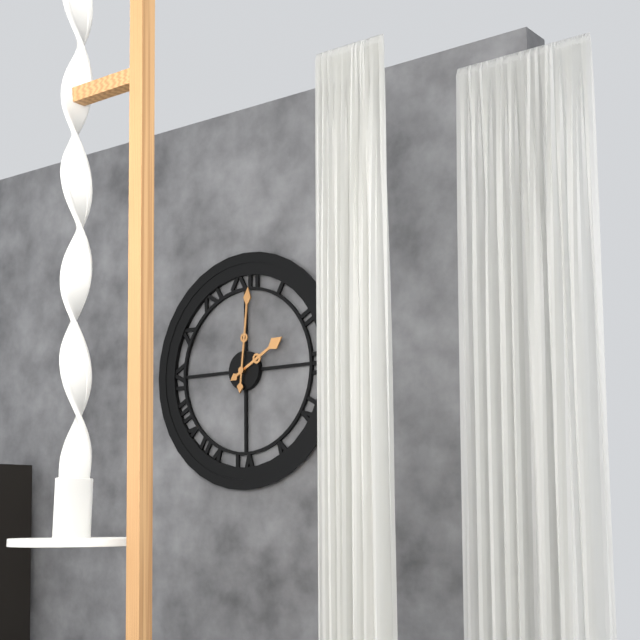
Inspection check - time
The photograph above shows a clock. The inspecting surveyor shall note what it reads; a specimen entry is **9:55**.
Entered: **2:01**
